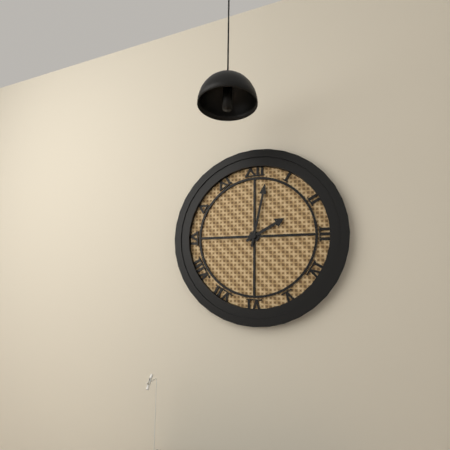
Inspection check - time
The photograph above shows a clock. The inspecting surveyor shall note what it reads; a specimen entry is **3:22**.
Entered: **2:02**
